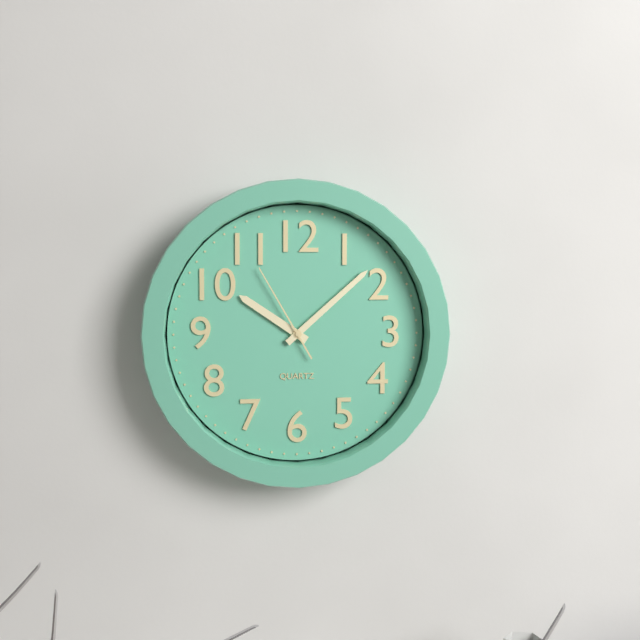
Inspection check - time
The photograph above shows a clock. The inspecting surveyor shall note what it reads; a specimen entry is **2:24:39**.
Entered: **10:08:55**
